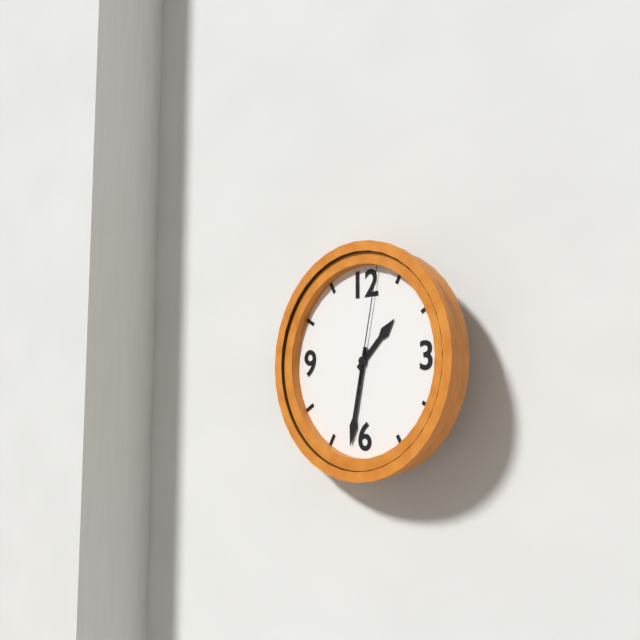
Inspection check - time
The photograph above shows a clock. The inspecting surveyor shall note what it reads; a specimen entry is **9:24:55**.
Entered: **1:32:02**
